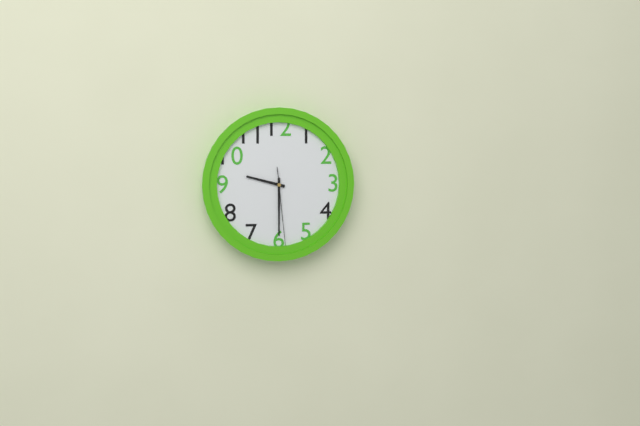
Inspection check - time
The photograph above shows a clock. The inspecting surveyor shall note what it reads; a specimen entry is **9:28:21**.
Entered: **9:30:29**
